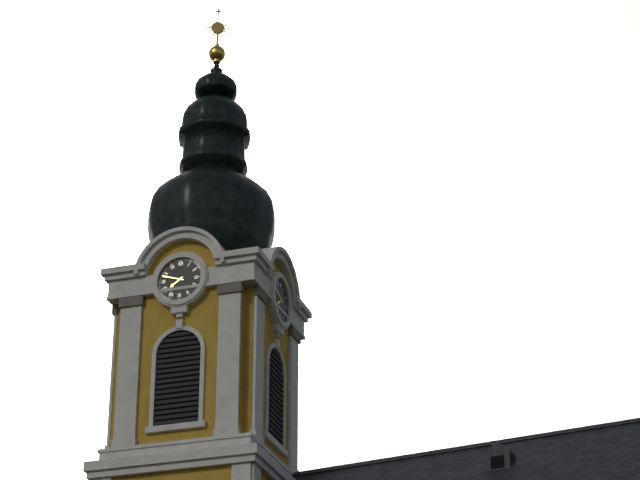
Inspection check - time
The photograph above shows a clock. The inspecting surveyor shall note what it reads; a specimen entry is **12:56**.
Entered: **7:48**
